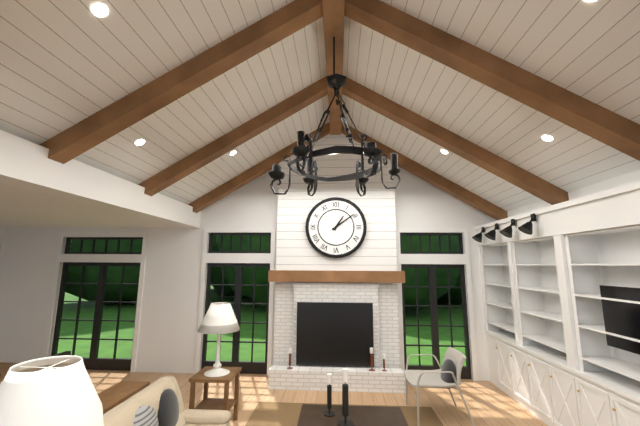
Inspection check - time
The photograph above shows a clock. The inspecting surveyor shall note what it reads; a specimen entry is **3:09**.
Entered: **1:09**
